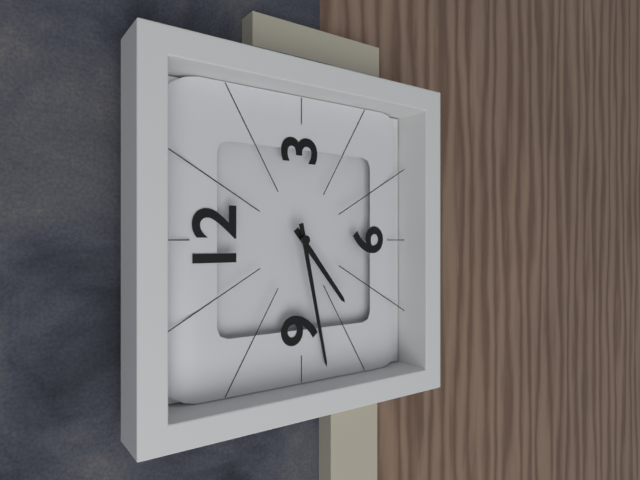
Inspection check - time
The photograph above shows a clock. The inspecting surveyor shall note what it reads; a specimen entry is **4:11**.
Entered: **7:43**
